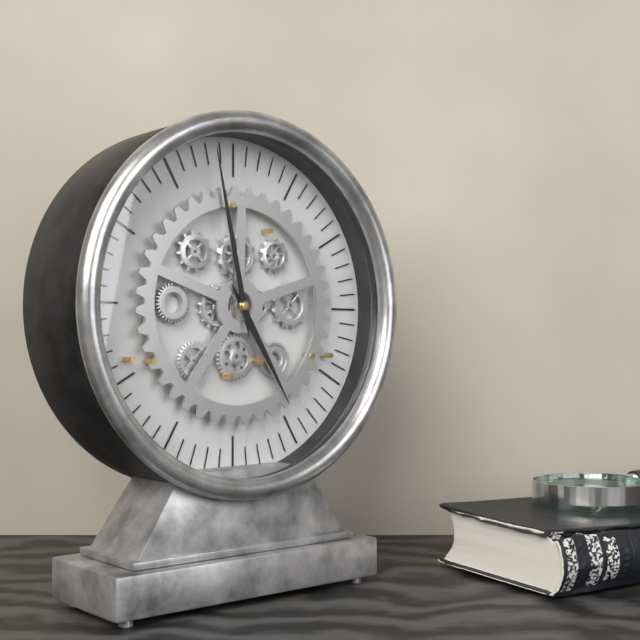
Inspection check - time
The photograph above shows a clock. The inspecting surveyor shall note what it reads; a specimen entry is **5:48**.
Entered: **4:58**
